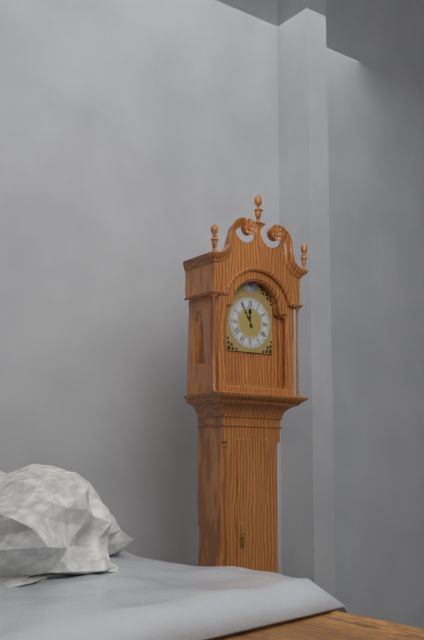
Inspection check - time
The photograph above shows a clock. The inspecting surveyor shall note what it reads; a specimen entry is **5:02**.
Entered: **11:55**
